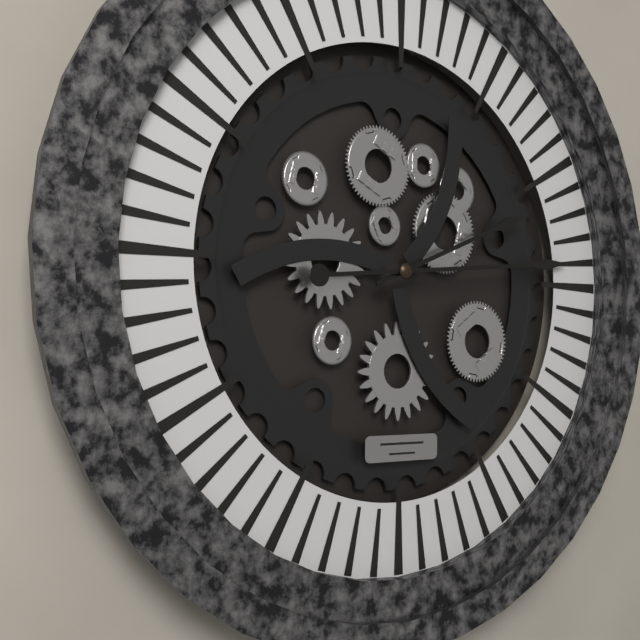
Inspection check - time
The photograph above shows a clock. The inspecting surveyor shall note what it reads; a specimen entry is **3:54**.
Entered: **2:14**
